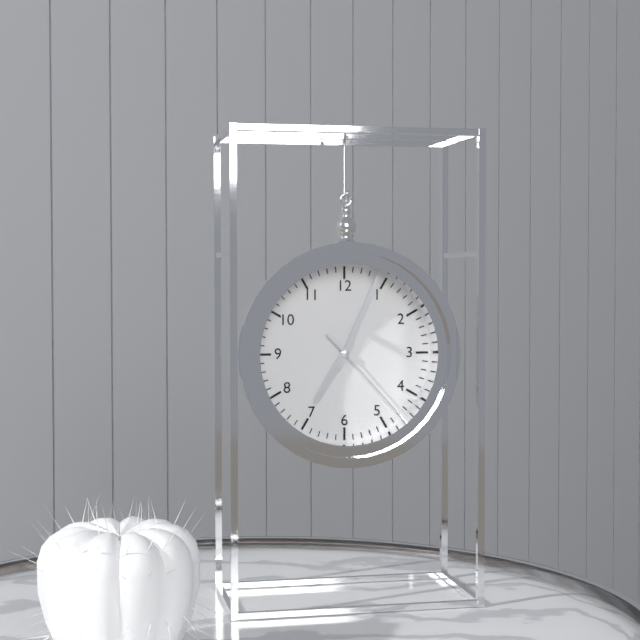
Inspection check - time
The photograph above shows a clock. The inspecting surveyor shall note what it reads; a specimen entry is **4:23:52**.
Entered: **7:04:23**
